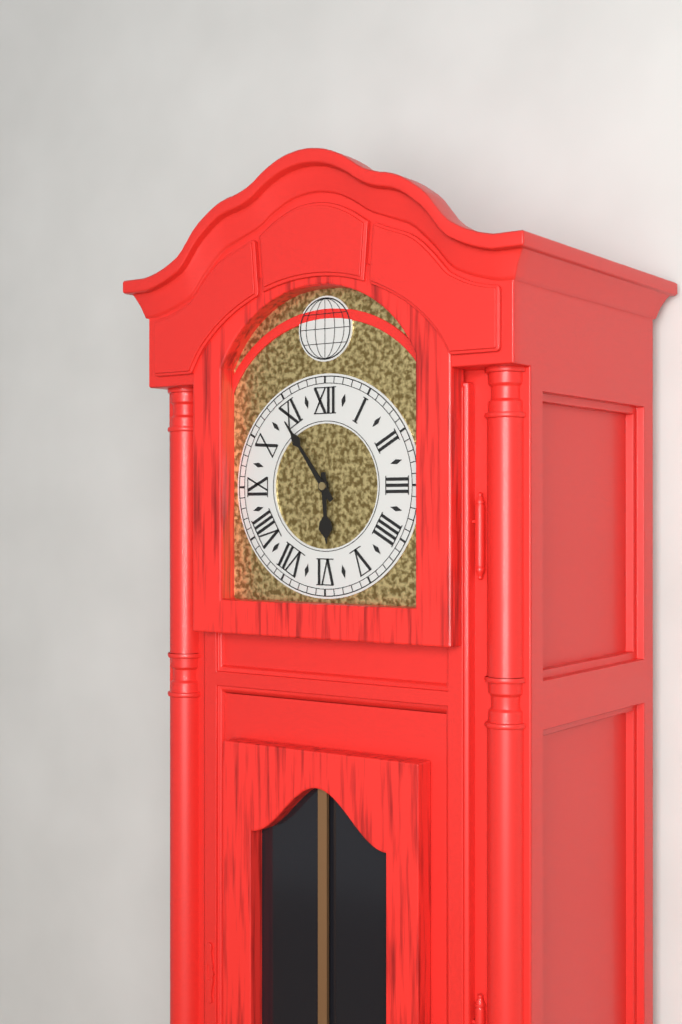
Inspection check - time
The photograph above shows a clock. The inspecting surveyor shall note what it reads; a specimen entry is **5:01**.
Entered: **5:54**
